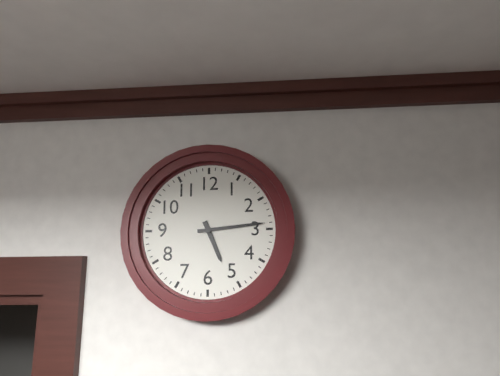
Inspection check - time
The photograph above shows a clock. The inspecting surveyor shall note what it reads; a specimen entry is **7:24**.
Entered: **5:14**
